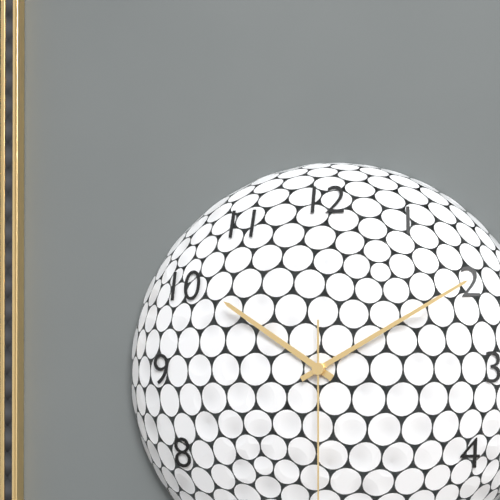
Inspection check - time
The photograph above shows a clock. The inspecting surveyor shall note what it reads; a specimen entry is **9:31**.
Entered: **10:10**
